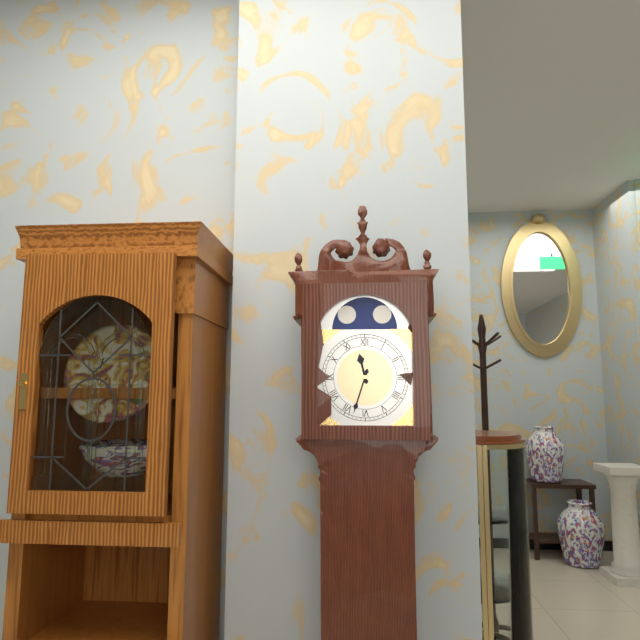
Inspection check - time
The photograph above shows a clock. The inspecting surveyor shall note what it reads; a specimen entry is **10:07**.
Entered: **11:33**
